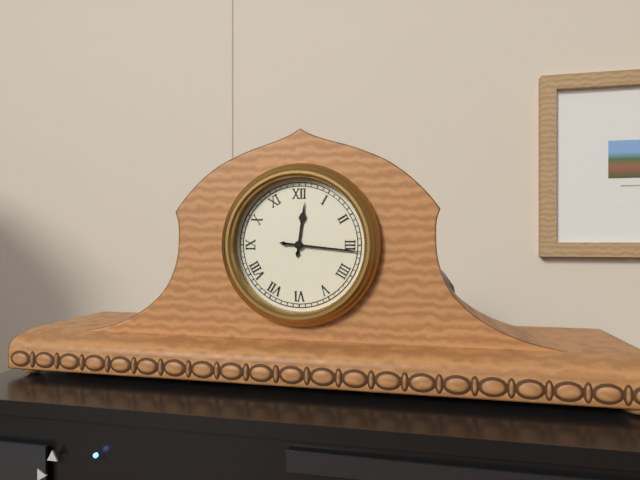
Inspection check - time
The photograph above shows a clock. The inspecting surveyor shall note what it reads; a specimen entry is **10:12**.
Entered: **12:16**
